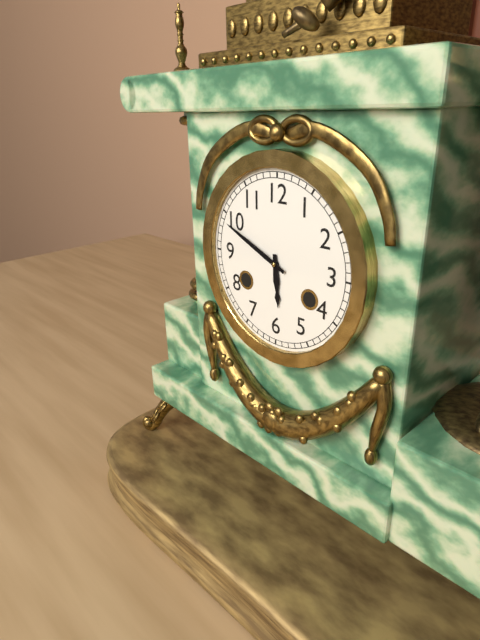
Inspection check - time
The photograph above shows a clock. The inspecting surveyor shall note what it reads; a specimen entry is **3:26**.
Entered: **5:49**
